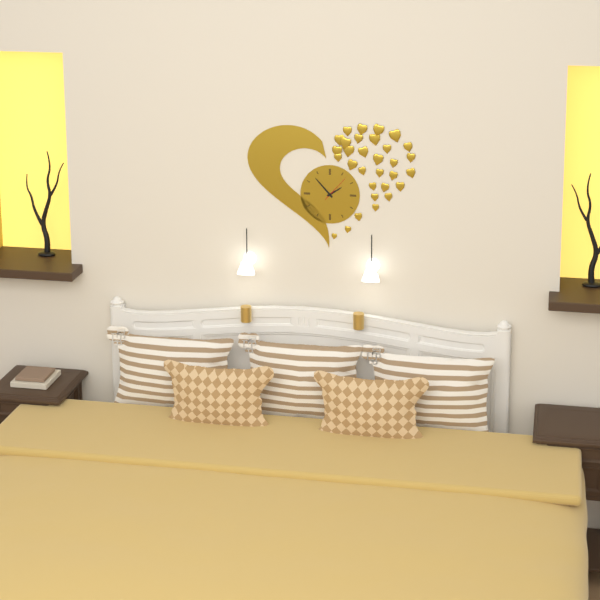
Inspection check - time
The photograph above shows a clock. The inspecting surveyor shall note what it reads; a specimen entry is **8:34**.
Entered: **1:53**
